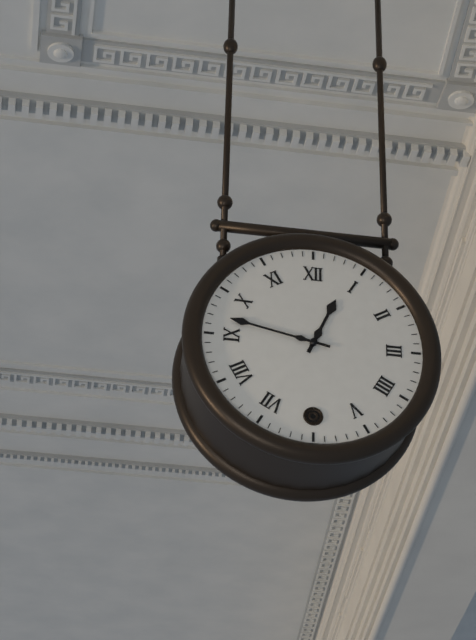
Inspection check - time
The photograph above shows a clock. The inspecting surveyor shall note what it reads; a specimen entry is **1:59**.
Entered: **12:47**
